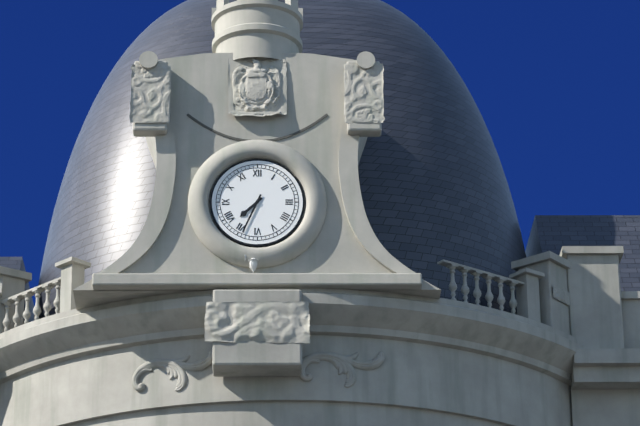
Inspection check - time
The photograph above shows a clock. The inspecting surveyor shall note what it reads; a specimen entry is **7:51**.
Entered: **7:34**
